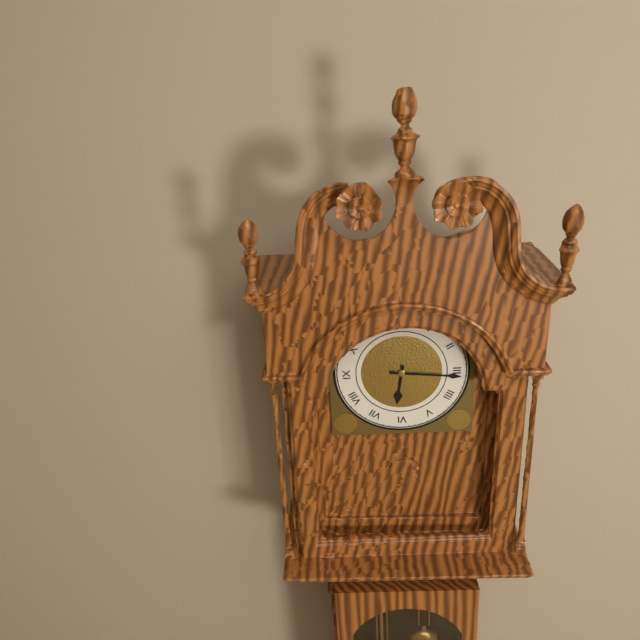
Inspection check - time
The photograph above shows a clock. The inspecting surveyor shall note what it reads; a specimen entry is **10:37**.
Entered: **6:16**
